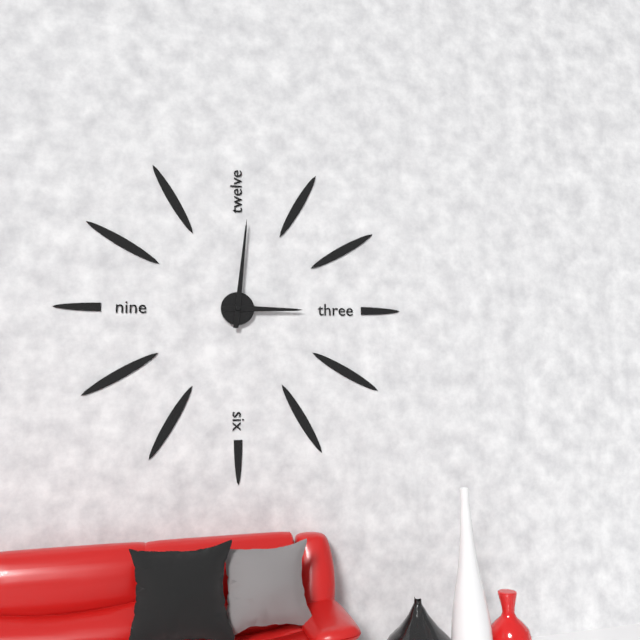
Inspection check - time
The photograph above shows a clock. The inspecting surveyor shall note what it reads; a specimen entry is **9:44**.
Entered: **3:01**
